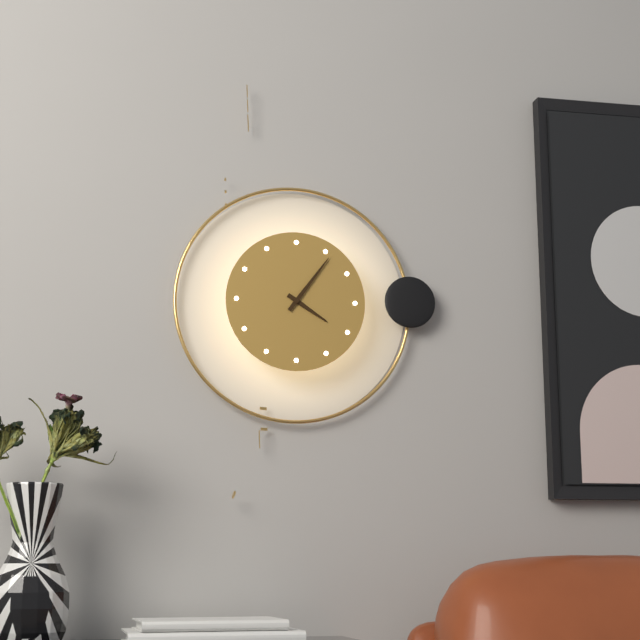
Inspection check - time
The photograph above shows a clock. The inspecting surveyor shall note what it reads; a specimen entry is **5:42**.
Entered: **4:06**
